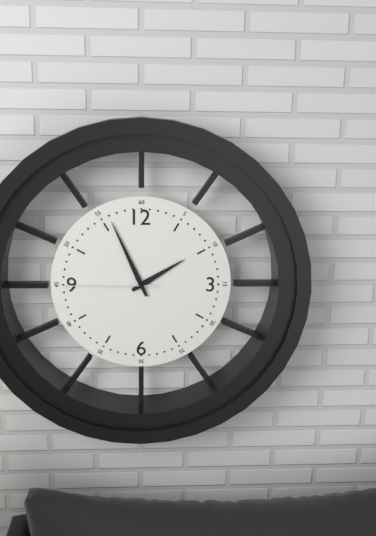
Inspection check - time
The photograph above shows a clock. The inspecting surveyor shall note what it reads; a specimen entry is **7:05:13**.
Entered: **1:56:45**
